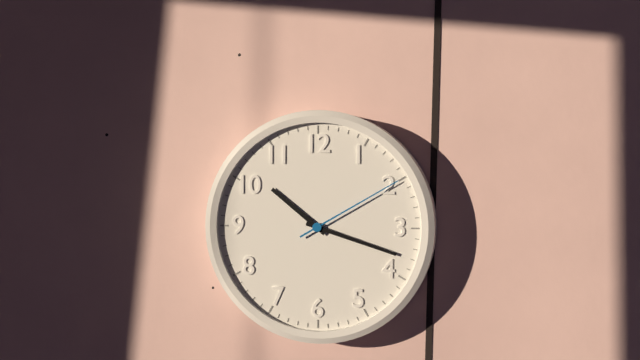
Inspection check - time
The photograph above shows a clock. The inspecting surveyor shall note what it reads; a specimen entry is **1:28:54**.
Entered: **10:18:10**
